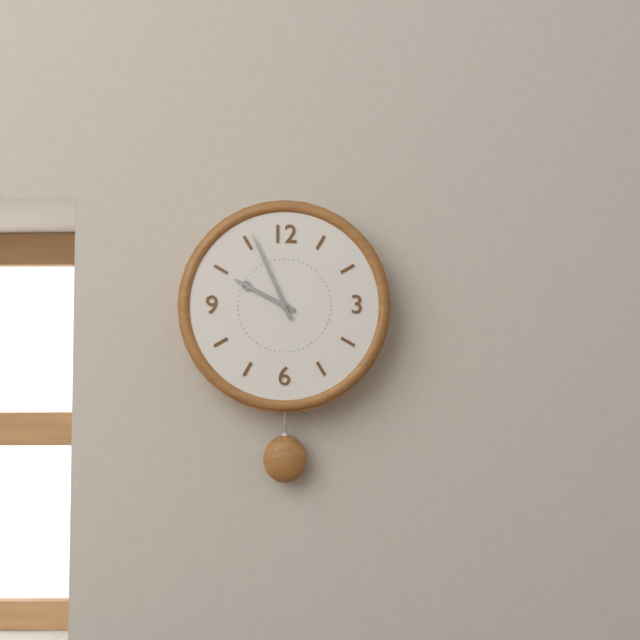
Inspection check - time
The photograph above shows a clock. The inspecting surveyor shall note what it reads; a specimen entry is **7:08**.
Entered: **9:56**
